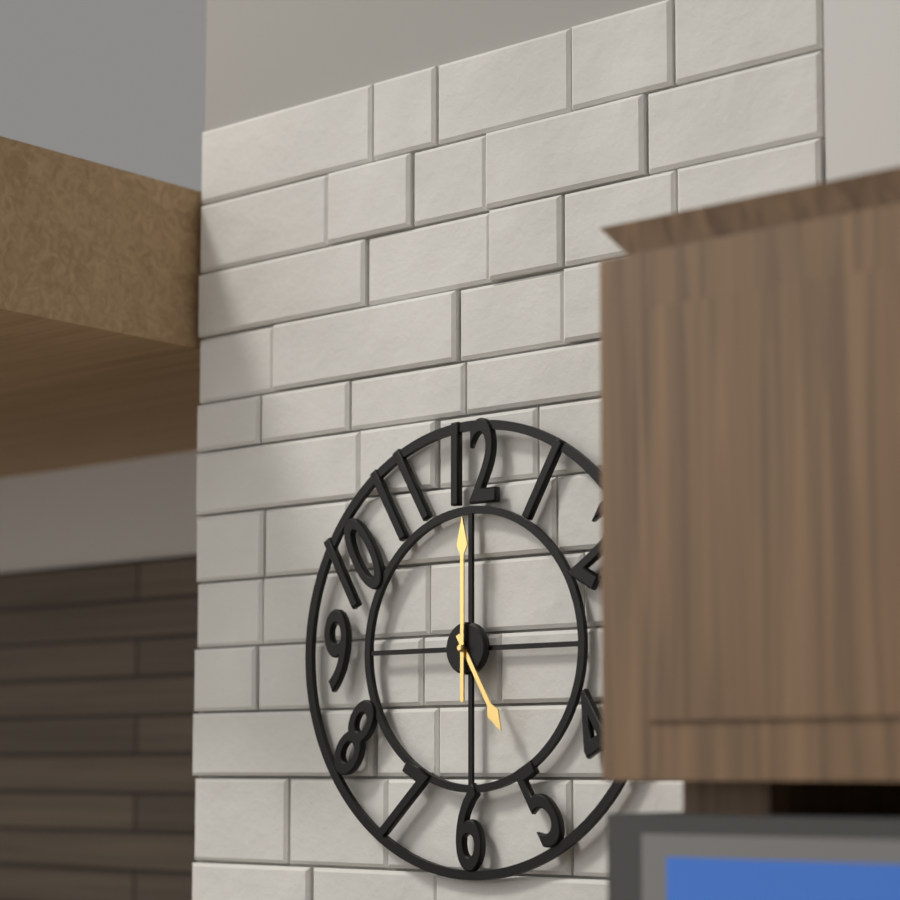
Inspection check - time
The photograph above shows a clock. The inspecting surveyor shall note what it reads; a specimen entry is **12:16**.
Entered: **5:00**
